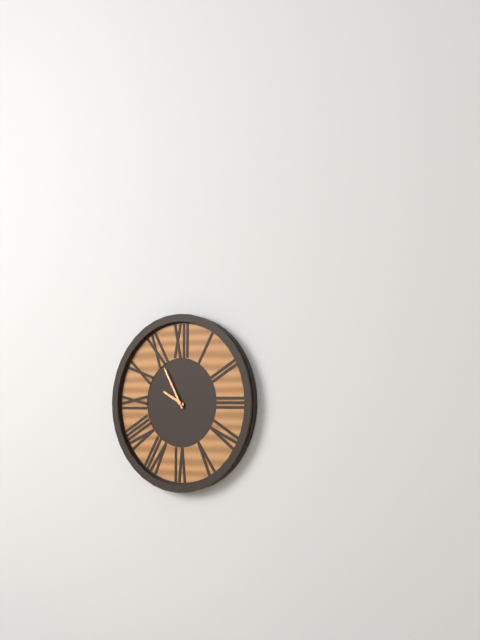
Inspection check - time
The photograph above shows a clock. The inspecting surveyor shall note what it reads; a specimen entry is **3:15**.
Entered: **9:55**
